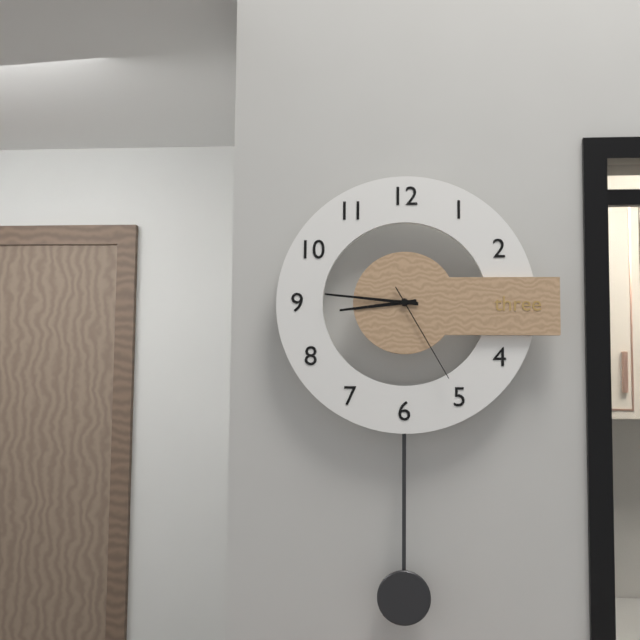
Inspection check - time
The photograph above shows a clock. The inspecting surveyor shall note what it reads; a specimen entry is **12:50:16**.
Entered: **8:46:25**
